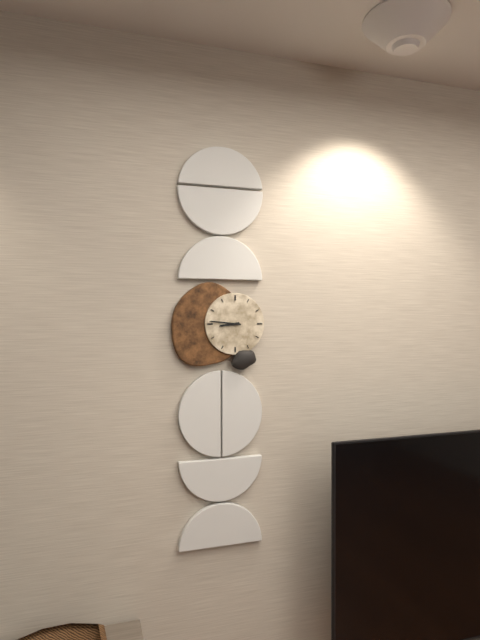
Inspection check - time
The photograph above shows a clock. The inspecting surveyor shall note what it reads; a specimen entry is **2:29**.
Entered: **8:46**
